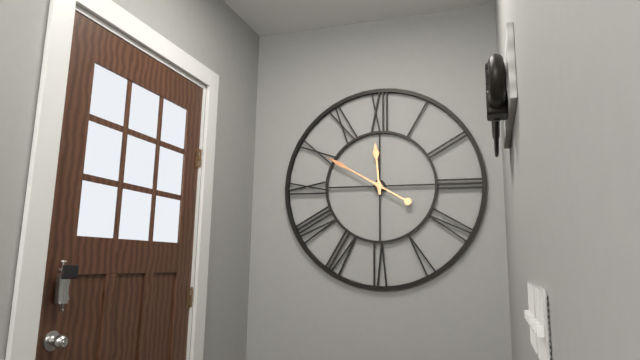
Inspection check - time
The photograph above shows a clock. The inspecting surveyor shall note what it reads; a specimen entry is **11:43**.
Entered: **11:50**
